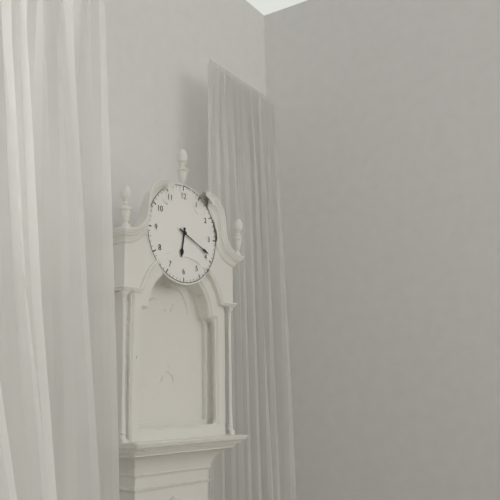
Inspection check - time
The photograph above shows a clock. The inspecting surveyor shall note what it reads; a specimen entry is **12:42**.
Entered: **6:19**
